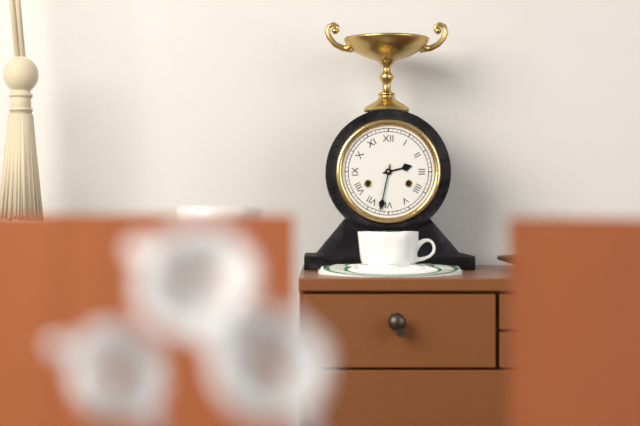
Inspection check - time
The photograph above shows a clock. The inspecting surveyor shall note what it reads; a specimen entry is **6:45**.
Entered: **2:32**
